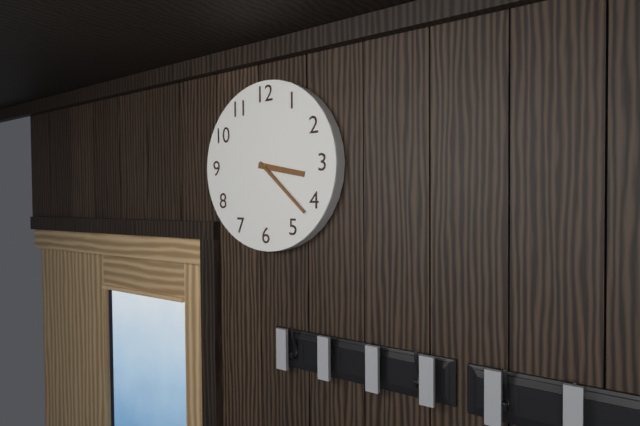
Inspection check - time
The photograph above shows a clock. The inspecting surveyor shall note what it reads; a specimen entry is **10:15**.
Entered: **3:22**
